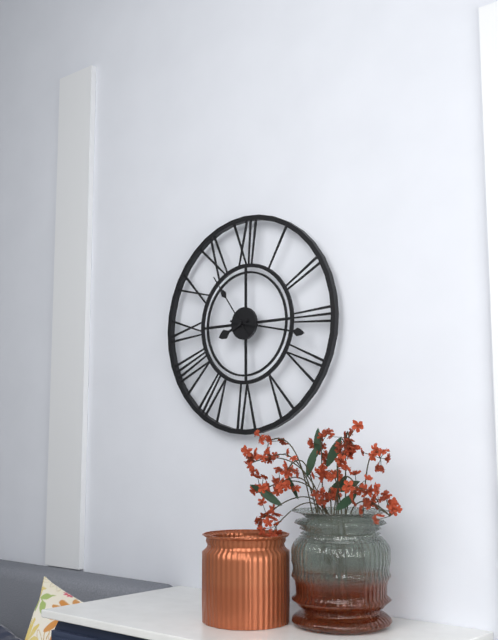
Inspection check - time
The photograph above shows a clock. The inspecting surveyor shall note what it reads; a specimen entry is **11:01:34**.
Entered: **8:17:54**
